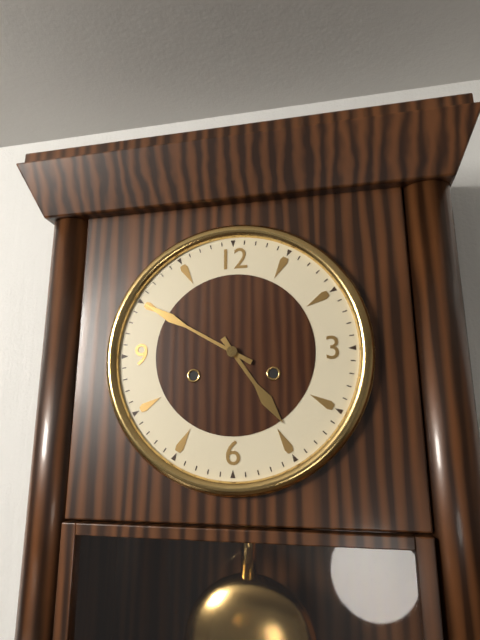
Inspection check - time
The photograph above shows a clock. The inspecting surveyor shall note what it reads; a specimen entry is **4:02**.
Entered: **4:50**
